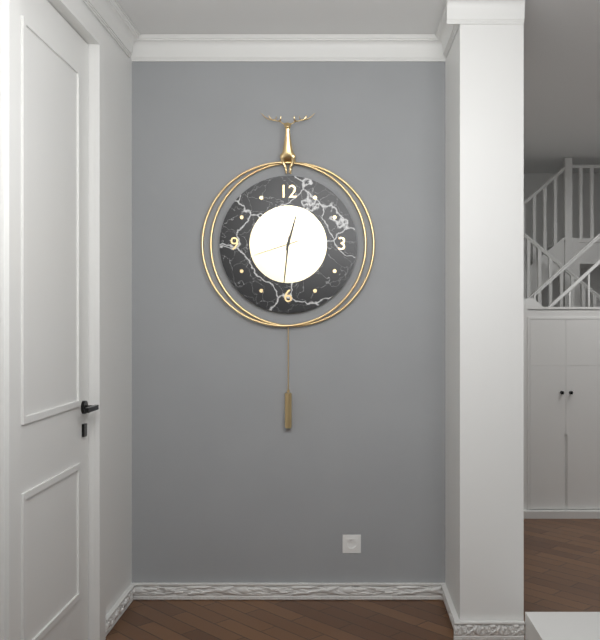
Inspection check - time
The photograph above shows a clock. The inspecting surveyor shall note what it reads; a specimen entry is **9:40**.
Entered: **12:31**
